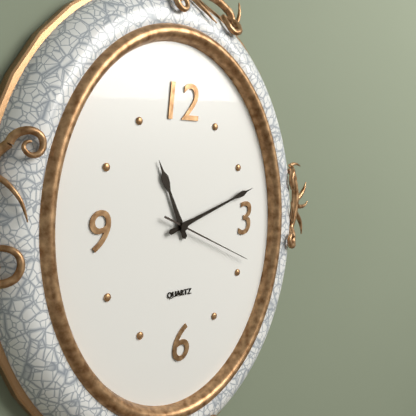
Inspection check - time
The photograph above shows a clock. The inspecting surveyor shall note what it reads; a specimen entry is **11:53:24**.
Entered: **11:12:19**
